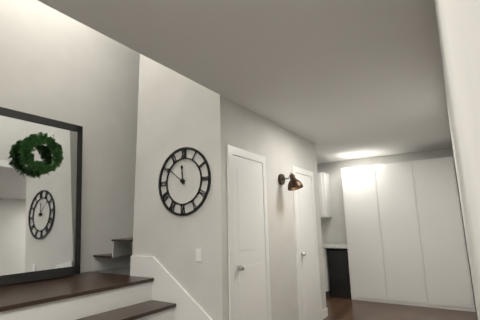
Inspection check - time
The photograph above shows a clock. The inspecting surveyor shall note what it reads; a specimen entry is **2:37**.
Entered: **11:51**
